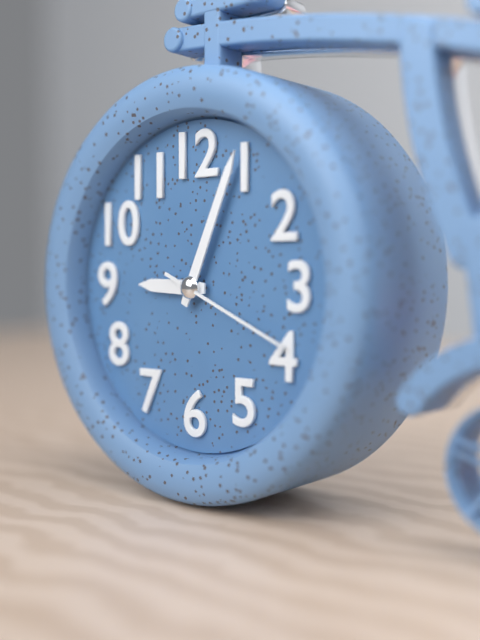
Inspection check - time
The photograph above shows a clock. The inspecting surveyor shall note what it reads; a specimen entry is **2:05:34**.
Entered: **9:04:19**
